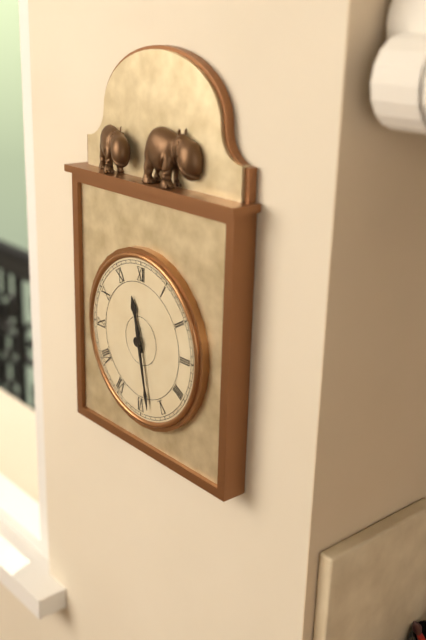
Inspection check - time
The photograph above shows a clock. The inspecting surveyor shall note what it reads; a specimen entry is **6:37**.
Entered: **11:28**
